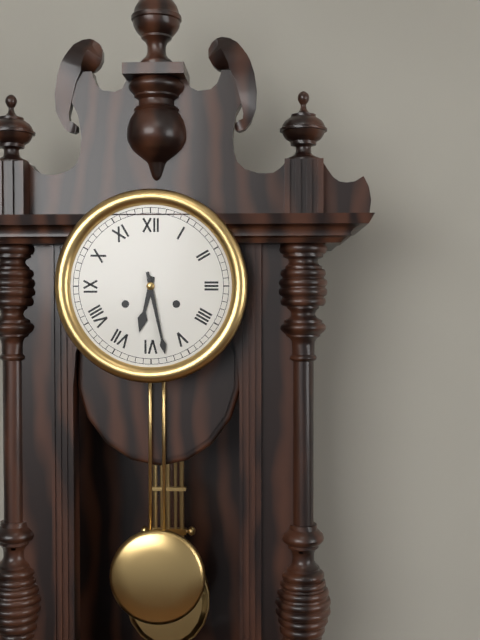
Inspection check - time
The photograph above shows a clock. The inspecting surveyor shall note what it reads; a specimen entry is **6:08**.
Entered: **6:28**
